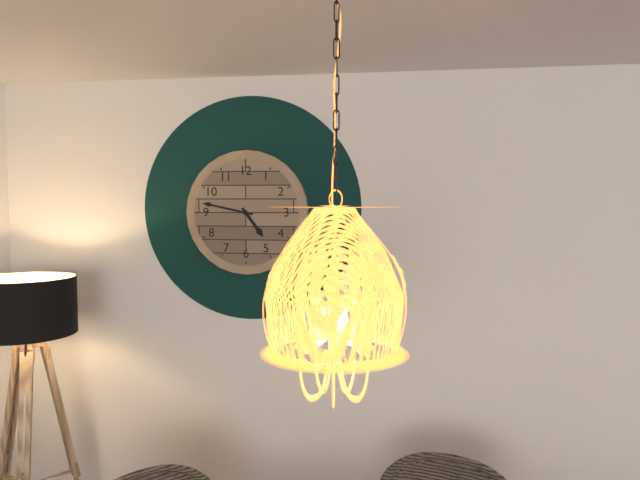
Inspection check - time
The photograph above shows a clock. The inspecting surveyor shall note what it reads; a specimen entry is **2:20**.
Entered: **4:47**
